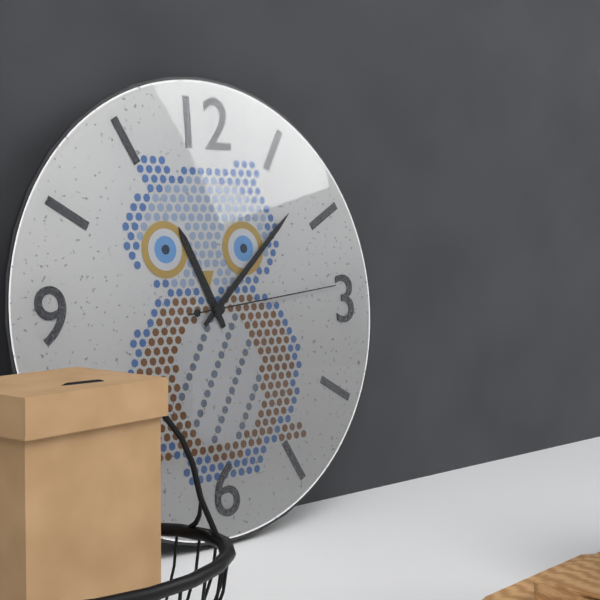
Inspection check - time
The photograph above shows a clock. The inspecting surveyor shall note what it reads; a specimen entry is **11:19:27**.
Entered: **11:08:14**
